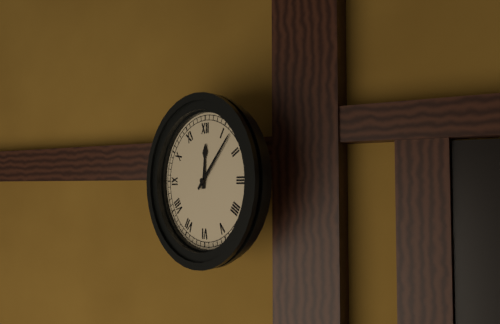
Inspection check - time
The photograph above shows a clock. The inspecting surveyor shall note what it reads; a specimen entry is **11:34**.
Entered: **12:07**
